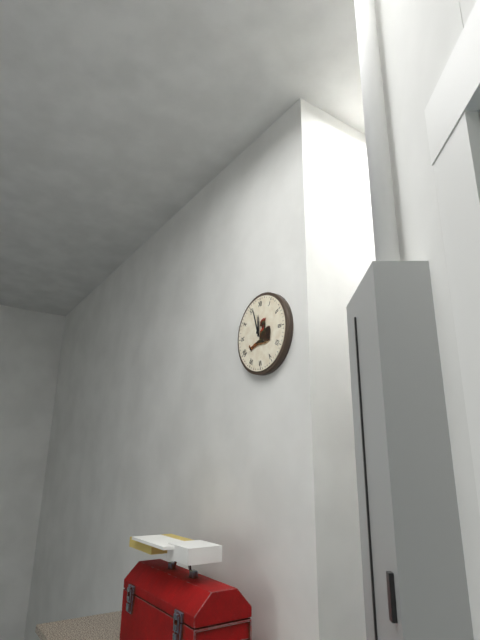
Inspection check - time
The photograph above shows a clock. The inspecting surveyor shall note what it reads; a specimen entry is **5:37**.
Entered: **11:57**
